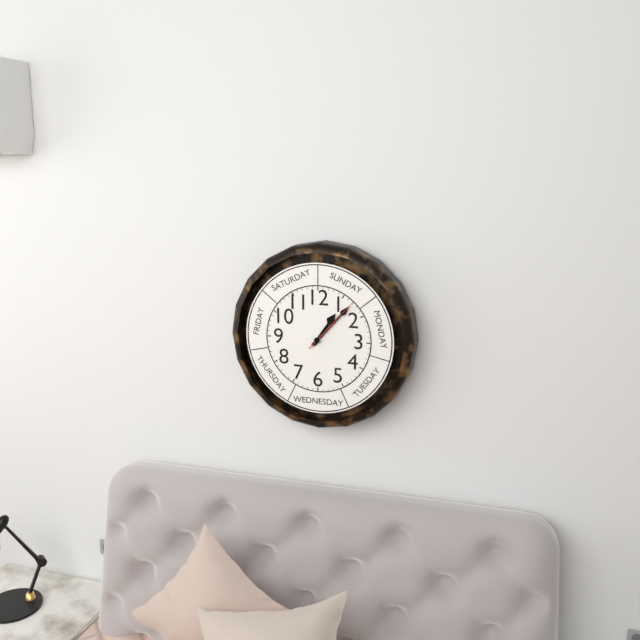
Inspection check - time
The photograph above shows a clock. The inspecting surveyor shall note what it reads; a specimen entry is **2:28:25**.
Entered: **1:07:07**
